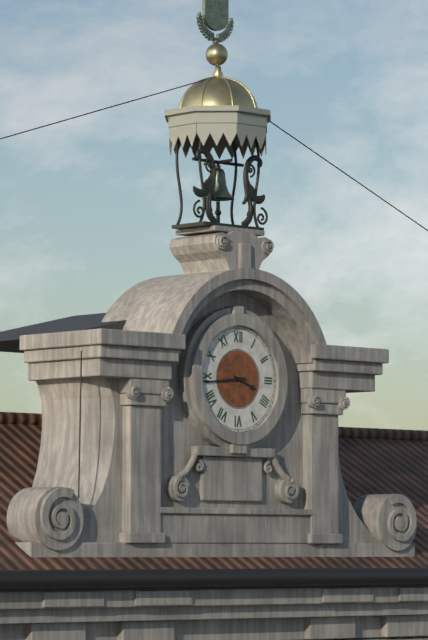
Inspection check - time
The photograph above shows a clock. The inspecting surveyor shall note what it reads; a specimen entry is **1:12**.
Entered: **3:44**
